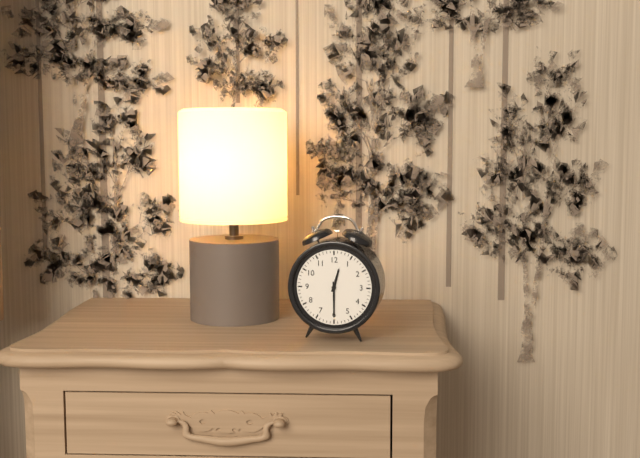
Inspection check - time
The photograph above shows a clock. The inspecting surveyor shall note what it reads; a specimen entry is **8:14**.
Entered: **12:30**
